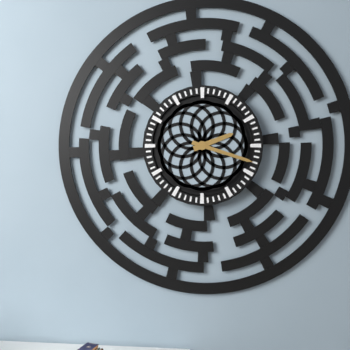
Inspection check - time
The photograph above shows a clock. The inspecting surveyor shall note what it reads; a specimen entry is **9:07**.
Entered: **2:18**
